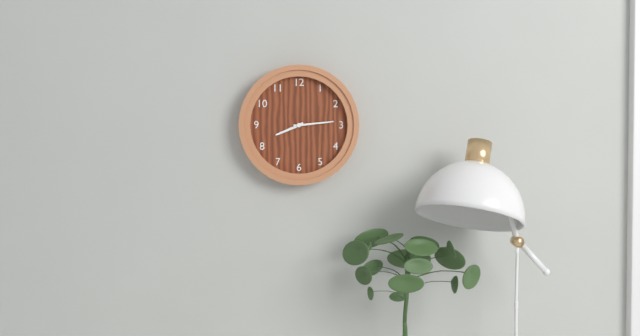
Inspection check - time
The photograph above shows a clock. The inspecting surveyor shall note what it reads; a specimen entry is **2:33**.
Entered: **8:14**
